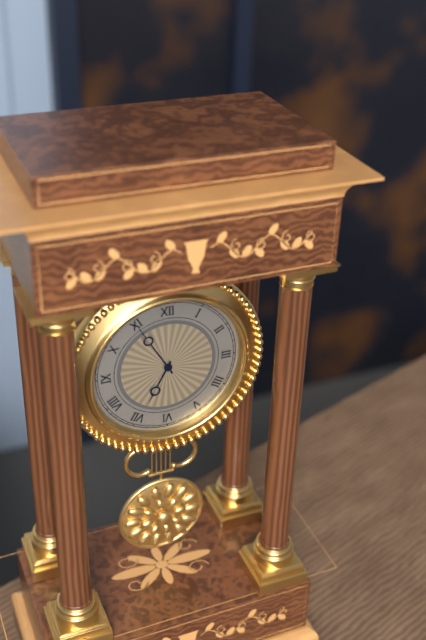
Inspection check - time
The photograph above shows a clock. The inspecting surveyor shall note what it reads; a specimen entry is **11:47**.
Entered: **6:55**
